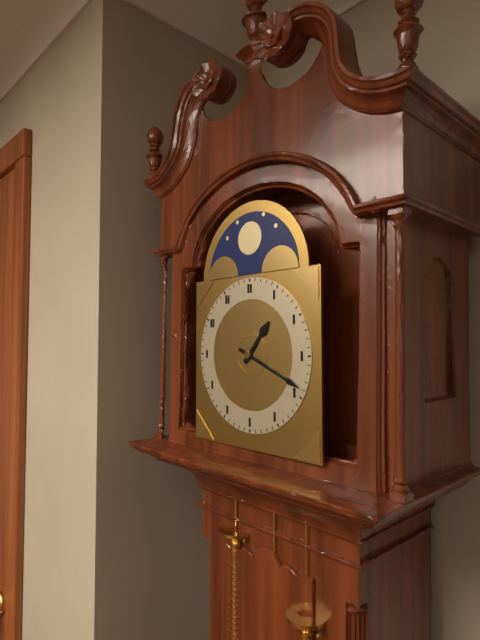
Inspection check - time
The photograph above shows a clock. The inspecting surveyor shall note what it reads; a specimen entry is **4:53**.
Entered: **1:19**
